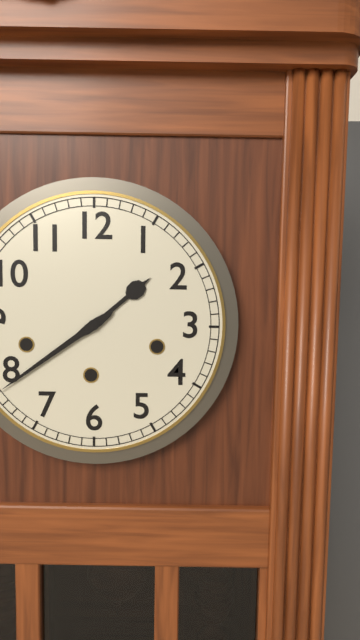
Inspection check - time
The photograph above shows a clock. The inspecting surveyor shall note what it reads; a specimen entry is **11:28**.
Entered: **1:39**
